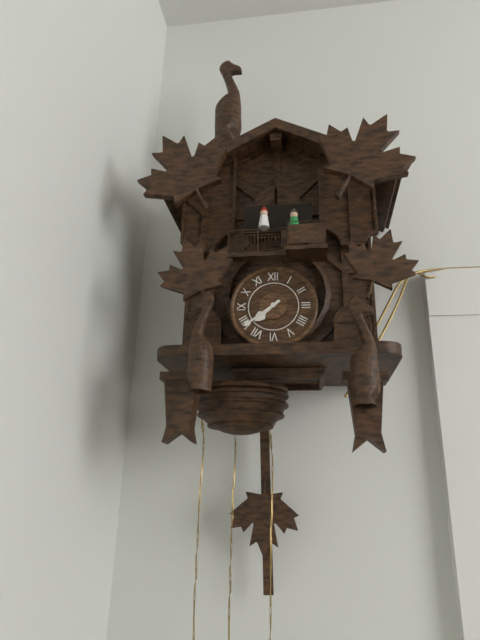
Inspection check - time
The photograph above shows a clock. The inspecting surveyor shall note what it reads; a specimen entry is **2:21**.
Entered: **7:39**
